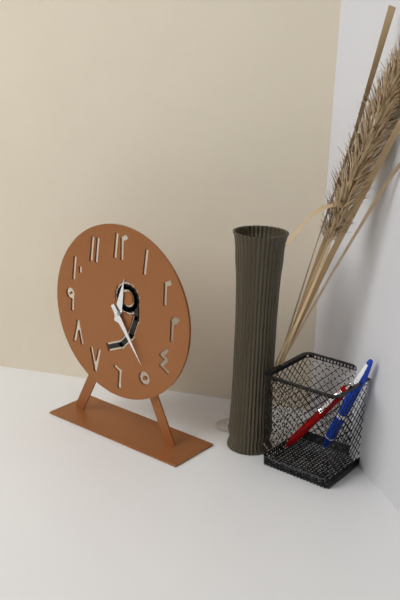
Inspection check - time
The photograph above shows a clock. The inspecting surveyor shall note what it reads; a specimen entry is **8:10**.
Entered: **12:24**
